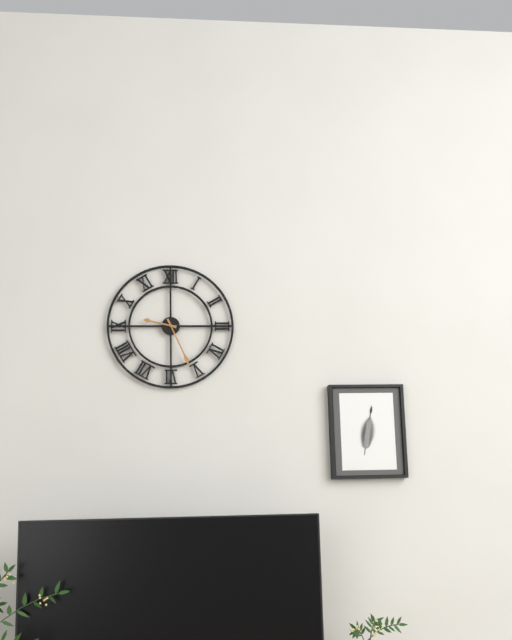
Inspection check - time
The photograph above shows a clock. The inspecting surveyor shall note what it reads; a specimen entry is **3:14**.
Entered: **9:26**
